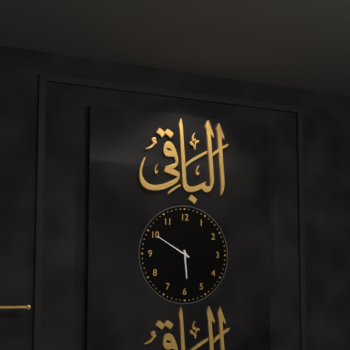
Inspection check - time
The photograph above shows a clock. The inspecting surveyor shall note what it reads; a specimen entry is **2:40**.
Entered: **5:50**
